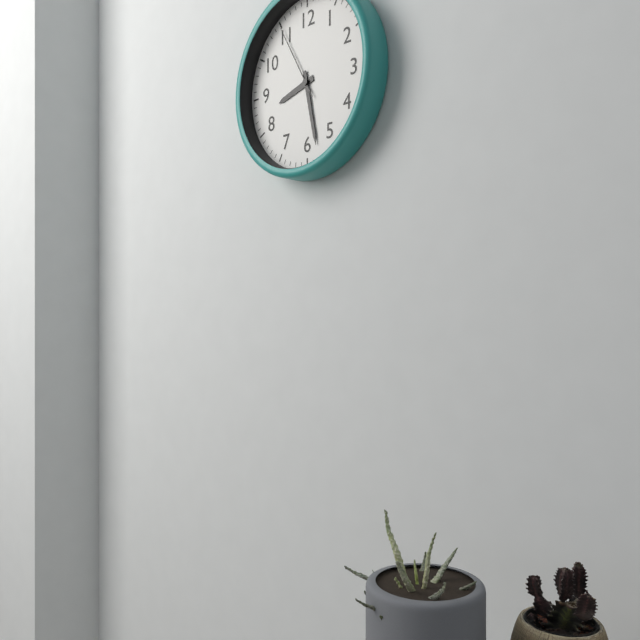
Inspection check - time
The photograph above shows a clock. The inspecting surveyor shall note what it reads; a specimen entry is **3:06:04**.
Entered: **8:28:55**
